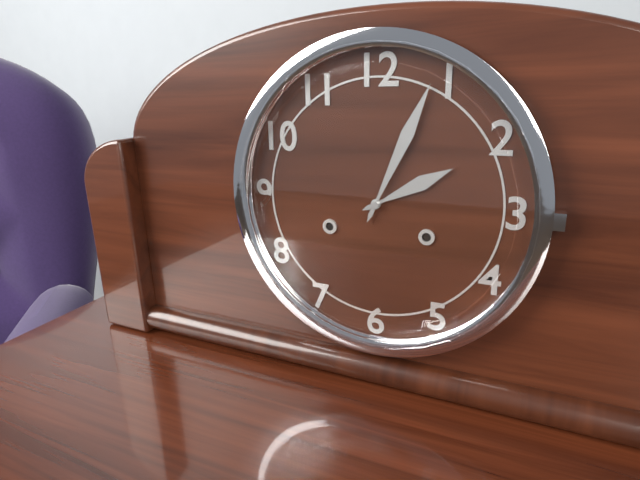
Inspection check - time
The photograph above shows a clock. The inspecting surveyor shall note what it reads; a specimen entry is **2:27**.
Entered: **2:04**
